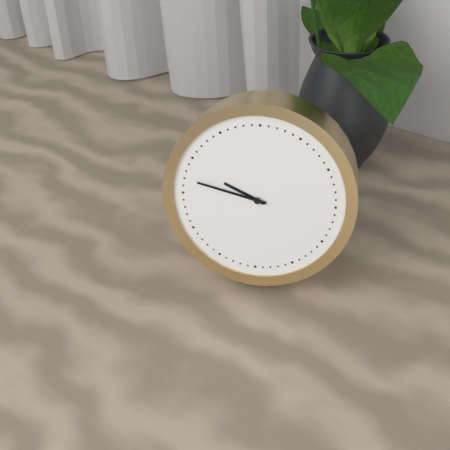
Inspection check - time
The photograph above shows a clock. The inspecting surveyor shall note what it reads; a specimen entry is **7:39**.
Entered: **9:47**
